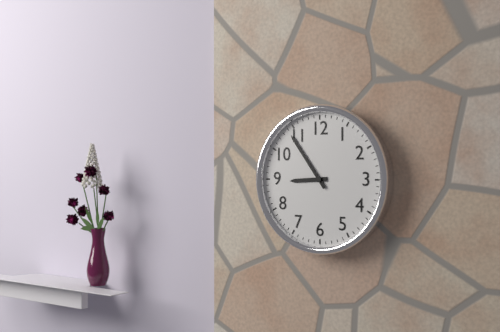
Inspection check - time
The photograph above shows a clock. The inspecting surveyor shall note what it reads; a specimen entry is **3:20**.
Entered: **8:54**
